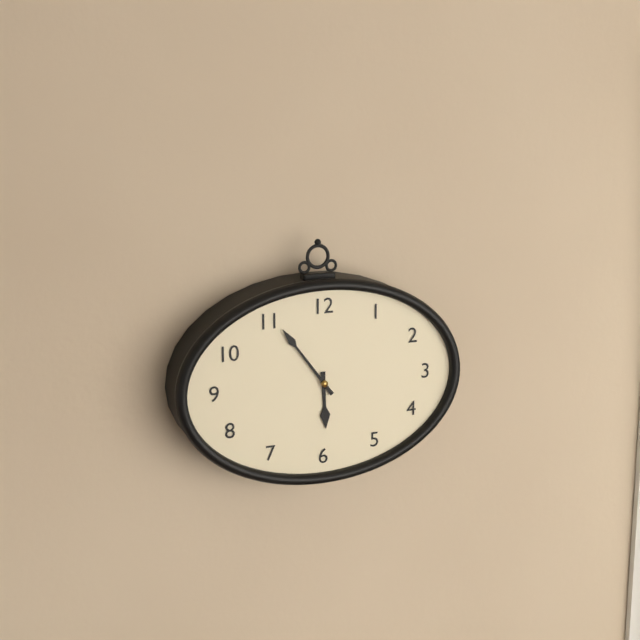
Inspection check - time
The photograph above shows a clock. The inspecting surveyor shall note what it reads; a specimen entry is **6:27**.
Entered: **5:54**
